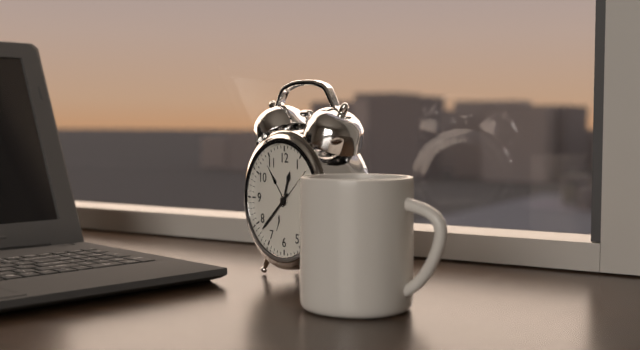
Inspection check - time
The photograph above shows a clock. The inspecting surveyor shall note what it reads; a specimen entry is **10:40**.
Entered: **12:38**
